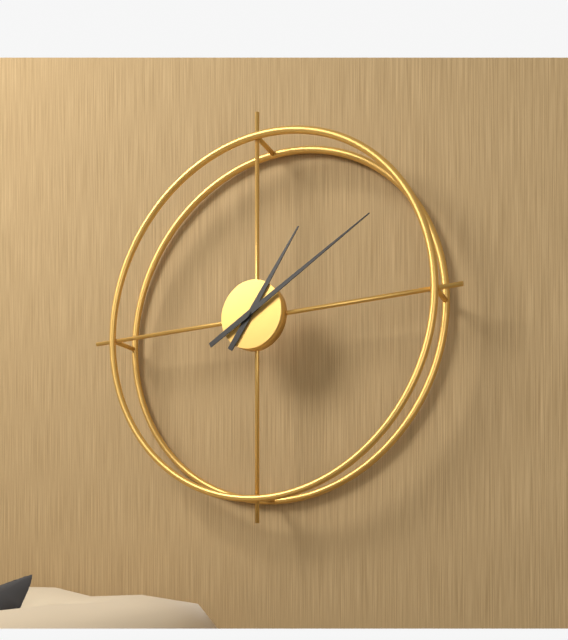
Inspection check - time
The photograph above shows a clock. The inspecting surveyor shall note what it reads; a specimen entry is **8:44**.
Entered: **1:10**
